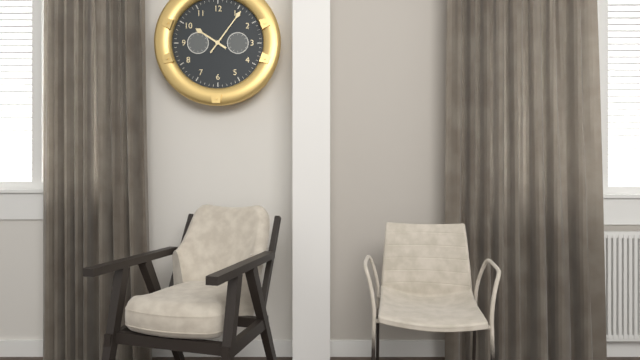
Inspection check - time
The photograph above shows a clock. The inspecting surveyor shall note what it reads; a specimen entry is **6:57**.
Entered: **10:06**
